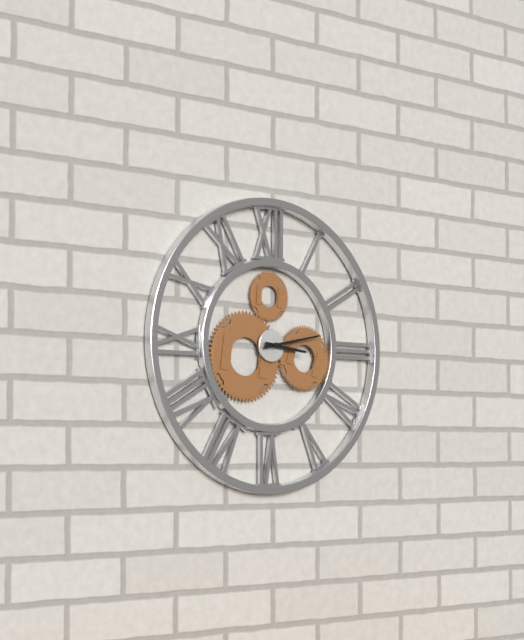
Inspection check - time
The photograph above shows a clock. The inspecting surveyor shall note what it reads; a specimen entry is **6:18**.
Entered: **3:13**
